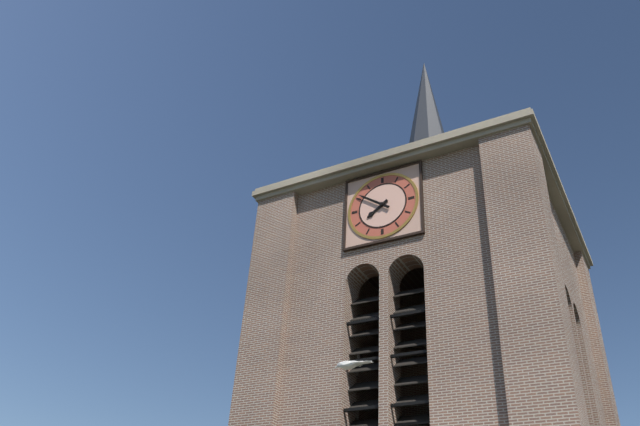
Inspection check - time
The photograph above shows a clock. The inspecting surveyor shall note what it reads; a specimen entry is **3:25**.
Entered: **7:51**
